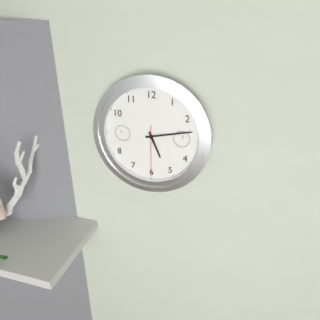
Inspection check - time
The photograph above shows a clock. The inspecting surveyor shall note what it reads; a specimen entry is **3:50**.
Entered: **5:13**
